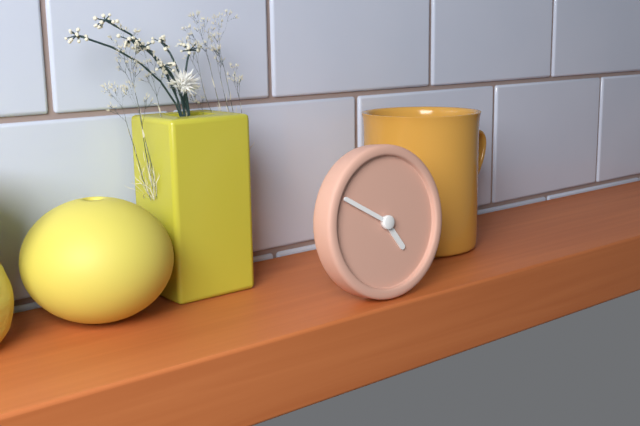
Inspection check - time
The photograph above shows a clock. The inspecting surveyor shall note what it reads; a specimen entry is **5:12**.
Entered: **4:50**
